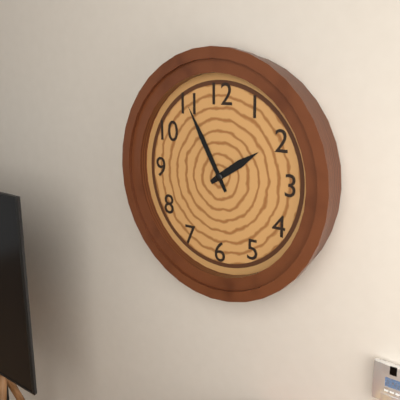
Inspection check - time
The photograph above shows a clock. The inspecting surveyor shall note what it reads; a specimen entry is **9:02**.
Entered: **1:55**
